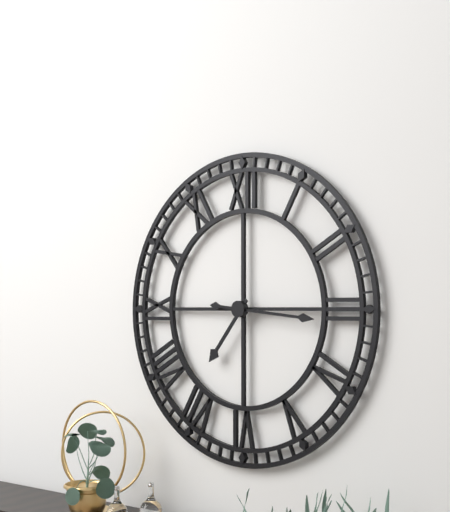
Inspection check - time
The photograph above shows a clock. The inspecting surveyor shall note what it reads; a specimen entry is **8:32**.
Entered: **7:16**
